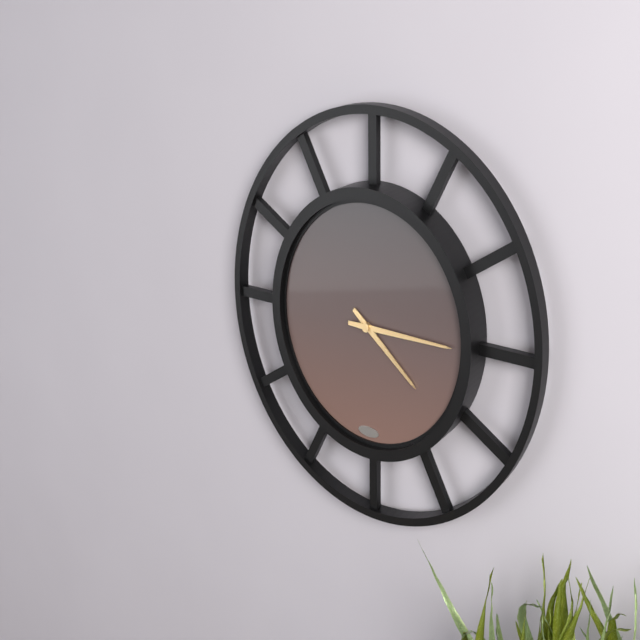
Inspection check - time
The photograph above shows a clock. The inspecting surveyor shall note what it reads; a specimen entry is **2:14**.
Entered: **4:15**
